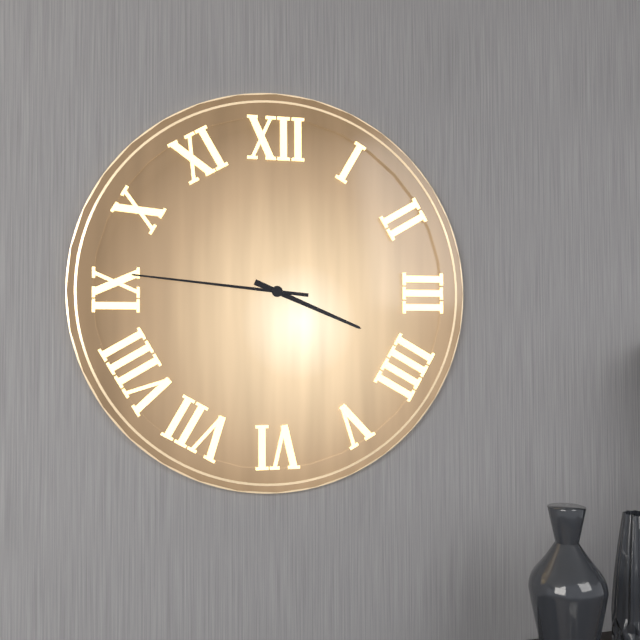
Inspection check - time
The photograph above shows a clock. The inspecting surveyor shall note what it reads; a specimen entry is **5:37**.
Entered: **3:46**
